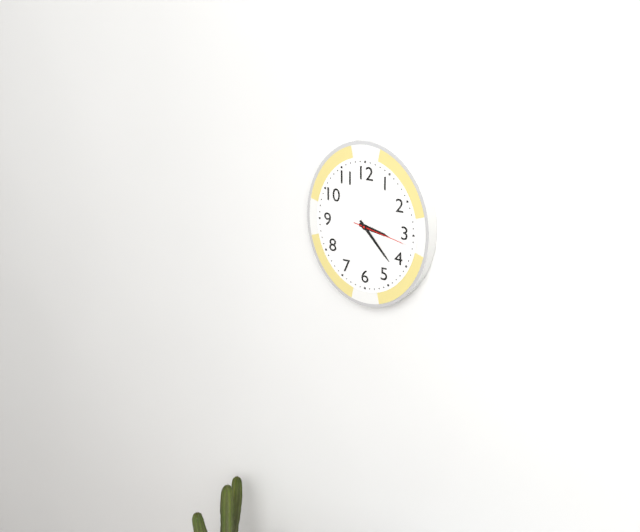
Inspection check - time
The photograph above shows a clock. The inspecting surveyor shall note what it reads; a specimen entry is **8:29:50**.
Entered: **3:23:17**
